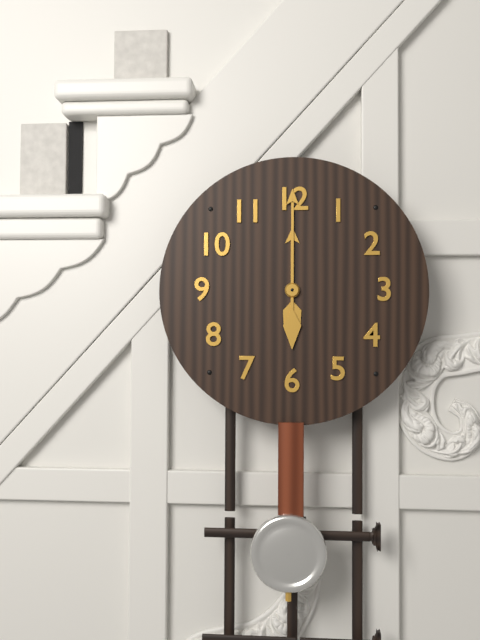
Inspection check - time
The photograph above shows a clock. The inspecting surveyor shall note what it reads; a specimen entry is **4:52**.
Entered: **12:00**
